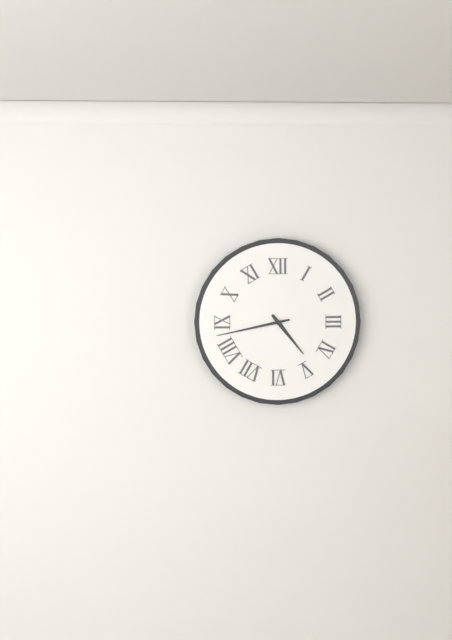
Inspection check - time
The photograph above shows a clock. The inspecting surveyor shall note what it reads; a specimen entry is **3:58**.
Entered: **4:43**
